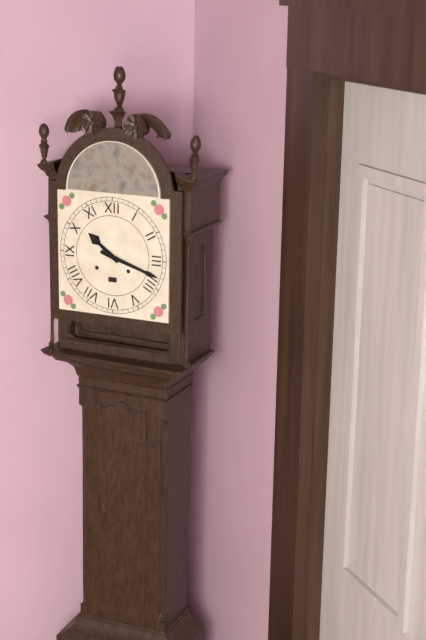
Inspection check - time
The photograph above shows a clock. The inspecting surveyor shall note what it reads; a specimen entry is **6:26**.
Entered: **10:18**
